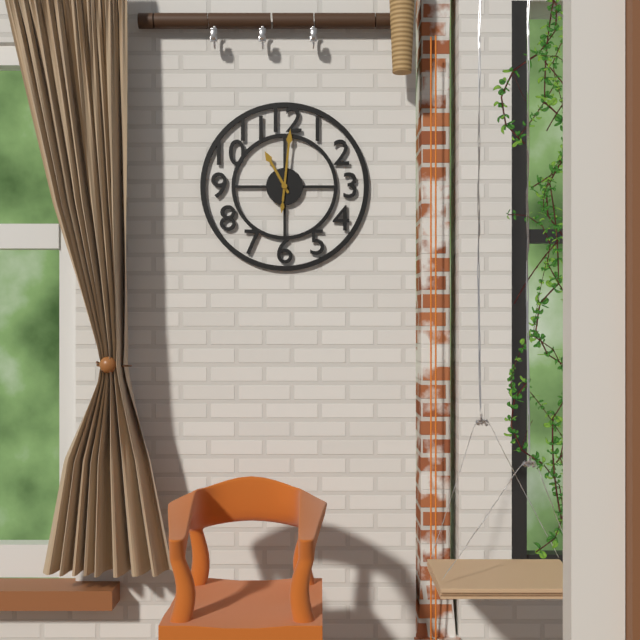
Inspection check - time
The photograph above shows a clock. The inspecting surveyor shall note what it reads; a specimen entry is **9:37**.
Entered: **11:01**
